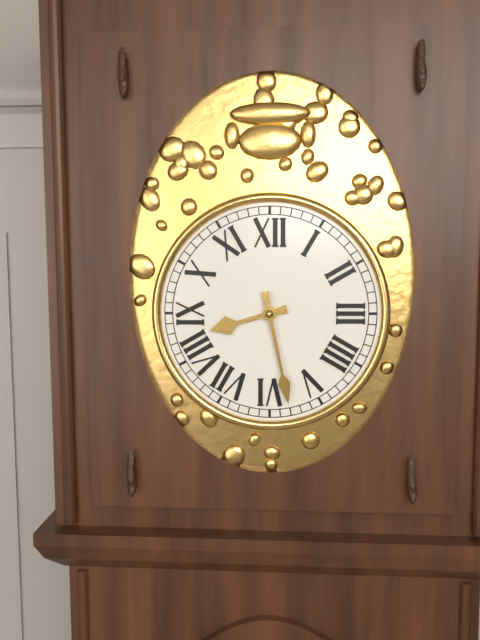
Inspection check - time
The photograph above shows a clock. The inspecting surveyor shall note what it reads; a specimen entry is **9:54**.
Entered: **8:28**
